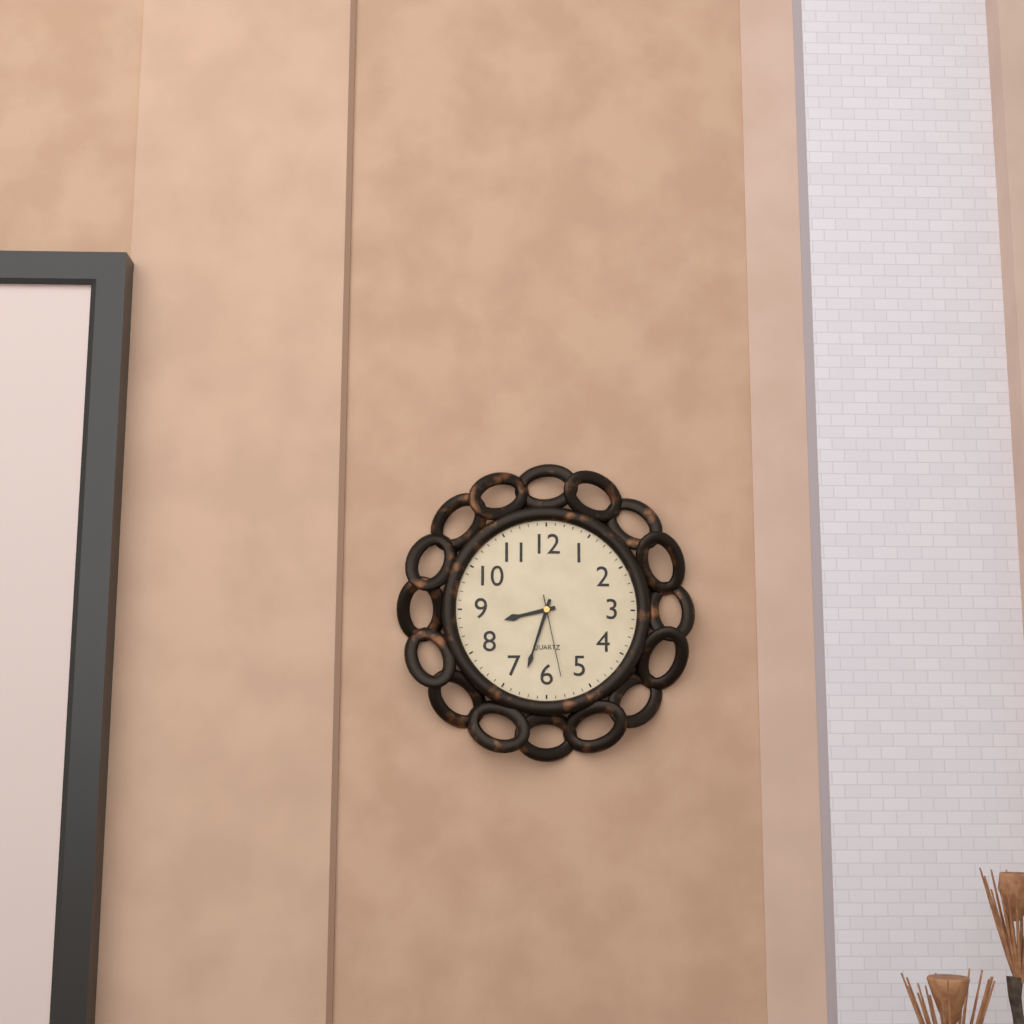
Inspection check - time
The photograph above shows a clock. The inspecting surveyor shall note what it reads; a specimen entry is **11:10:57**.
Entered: **8:33:28**
